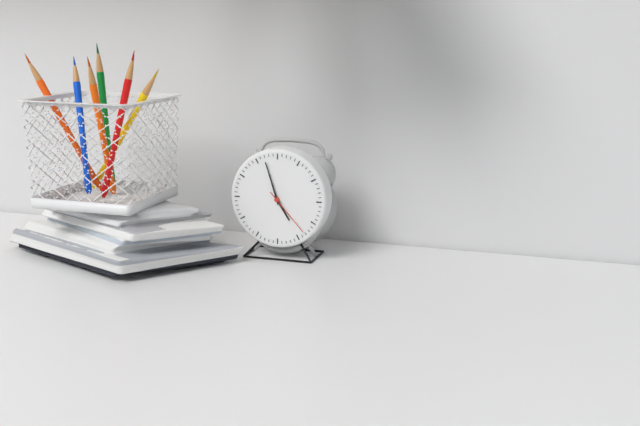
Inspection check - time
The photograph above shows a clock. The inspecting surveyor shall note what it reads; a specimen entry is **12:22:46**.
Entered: **4:57:23**
